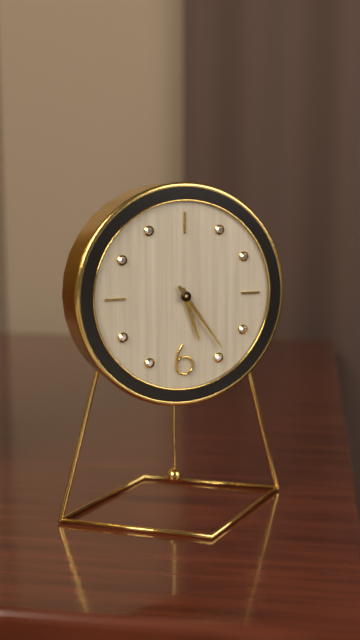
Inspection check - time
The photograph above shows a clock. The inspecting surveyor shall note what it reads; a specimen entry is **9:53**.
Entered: **5:24**
